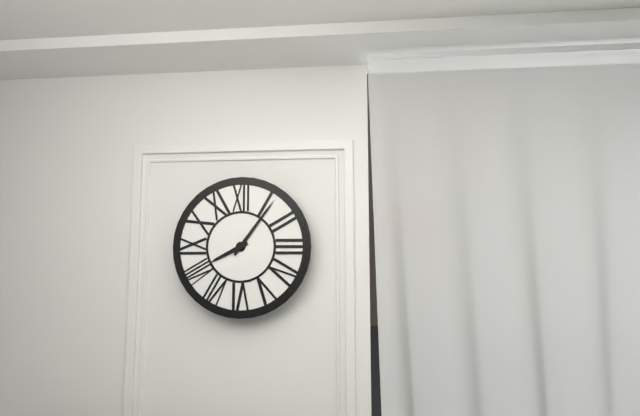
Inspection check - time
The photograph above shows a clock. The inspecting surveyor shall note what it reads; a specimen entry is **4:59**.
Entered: **8:06**
